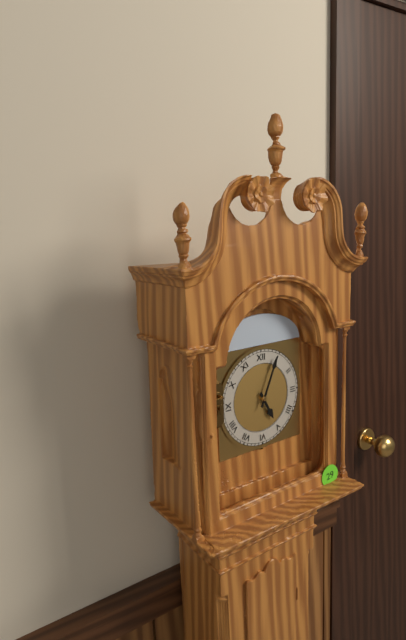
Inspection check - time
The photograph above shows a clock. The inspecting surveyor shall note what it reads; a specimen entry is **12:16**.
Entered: **5:04**
